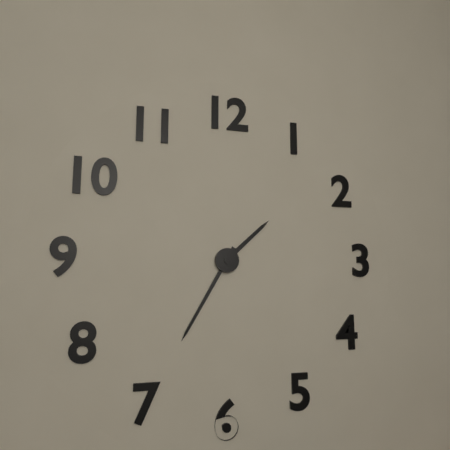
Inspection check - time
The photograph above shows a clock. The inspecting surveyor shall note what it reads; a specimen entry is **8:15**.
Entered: **1:35**
